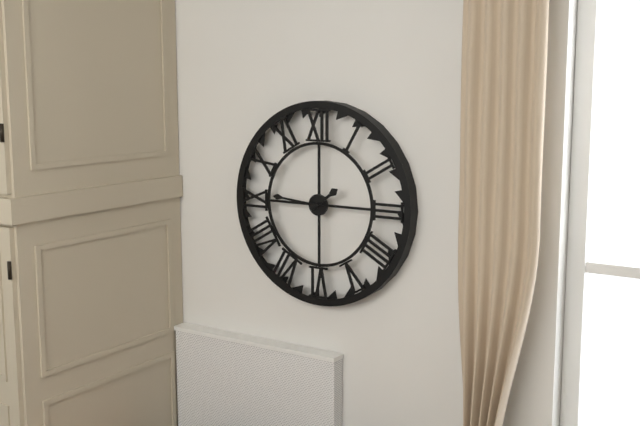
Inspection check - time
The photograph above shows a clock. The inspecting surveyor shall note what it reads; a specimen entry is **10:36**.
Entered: **1:46**
